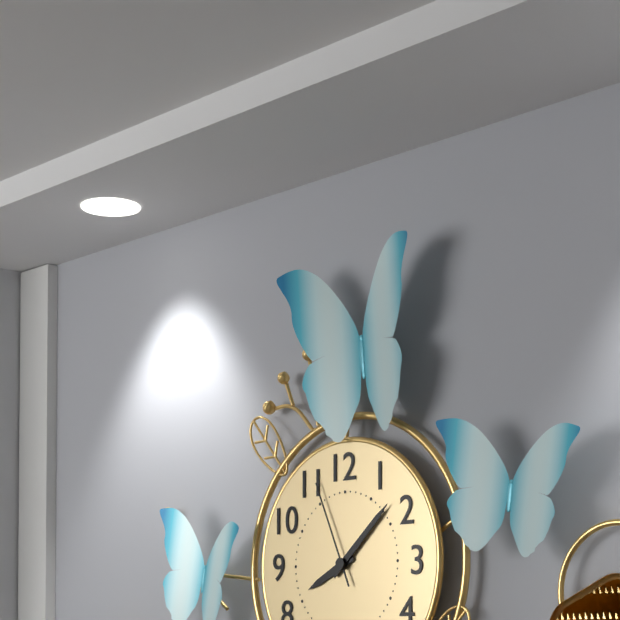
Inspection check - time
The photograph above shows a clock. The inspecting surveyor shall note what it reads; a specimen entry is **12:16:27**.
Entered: **8:08:56**
